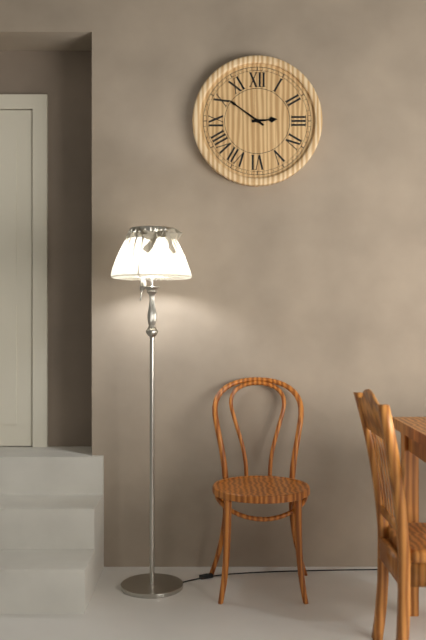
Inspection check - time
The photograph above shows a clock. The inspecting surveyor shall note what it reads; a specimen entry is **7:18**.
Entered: **2:51**
